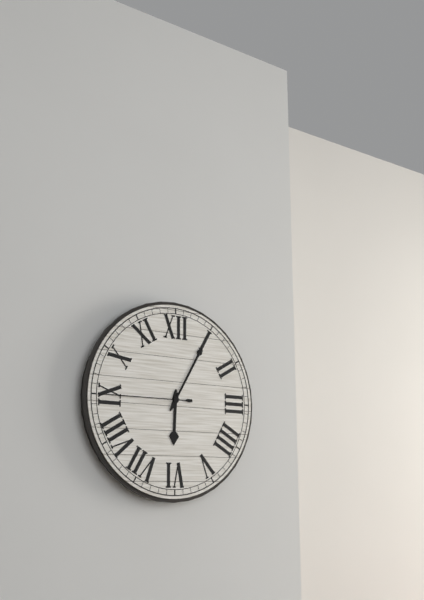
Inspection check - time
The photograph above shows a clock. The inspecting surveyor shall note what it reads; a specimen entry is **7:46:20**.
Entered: **6:05:45**
